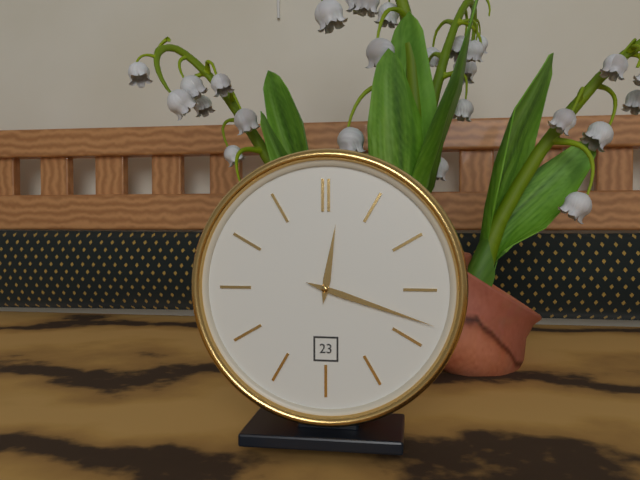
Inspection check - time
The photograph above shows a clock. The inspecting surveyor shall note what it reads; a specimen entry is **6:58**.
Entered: **12:18**
